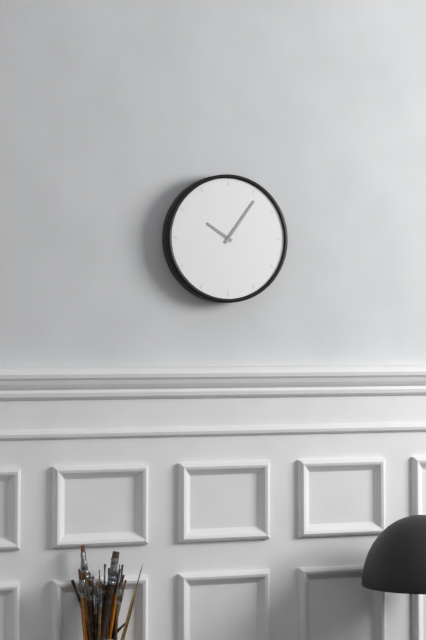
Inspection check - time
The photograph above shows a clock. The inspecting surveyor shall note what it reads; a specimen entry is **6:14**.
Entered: **10:06**
